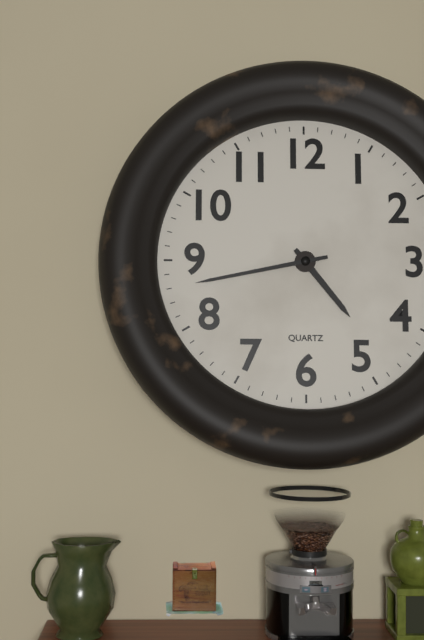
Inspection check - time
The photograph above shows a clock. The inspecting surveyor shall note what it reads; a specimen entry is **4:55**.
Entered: **4:43**
